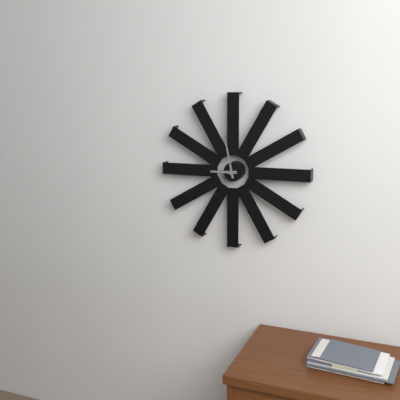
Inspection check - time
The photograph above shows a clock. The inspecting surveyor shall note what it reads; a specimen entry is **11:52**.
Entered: **8:58**
